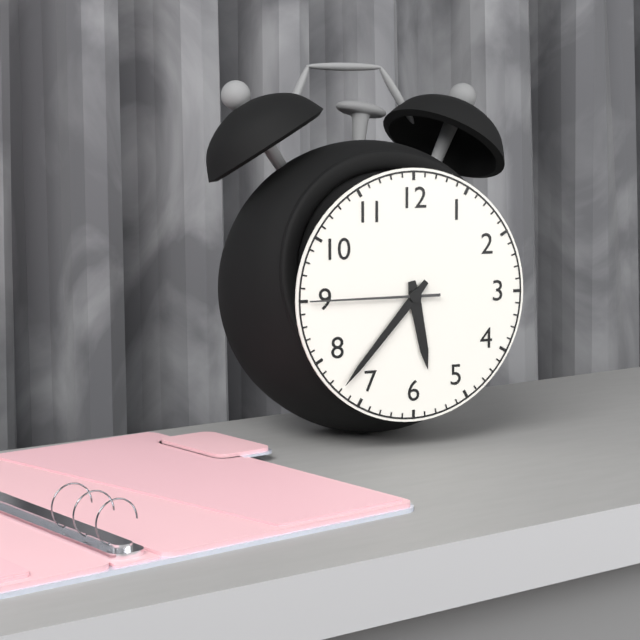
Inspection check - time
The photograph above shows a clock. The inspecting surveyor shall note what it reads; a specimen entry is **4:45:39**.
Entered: **5:37:45**
